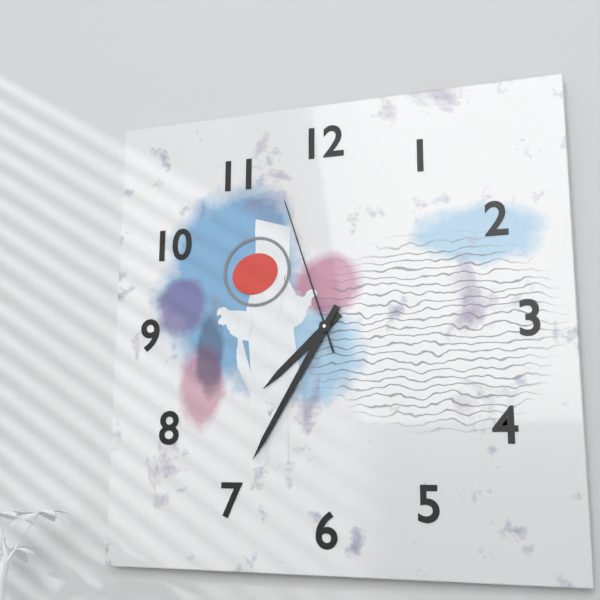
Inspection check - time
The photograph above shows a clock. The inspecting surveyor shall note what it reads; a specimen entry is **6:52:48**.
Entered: **7:35:57**
